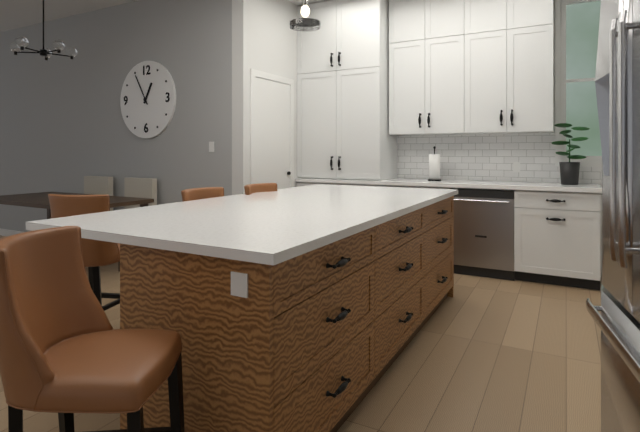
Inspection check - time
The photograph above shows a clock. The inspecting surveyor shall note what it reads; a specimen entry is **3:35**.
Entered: **12:55**
